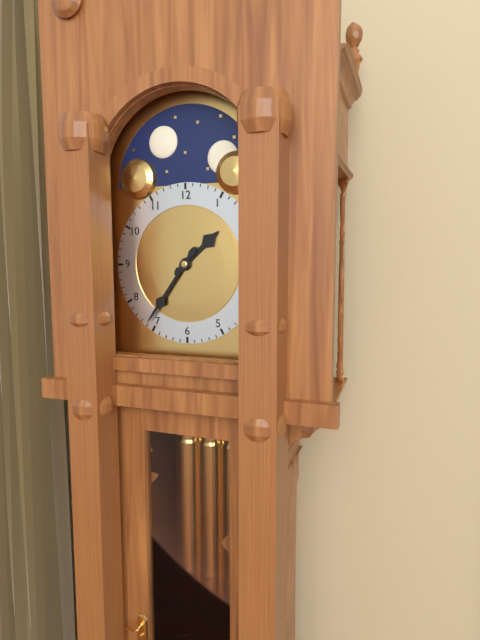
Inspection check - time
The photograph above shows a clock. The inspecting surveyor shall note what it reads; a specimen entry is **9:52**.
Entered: **1:36**
